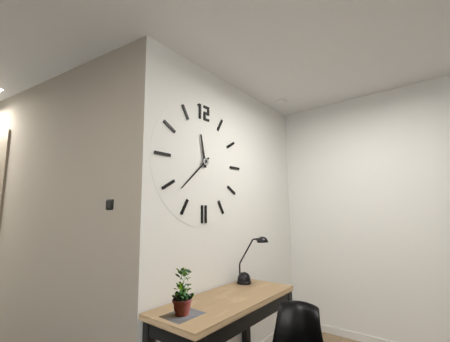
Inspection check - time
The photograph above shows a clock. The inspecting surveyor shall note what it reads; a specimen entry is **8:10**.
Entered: **11:38**
